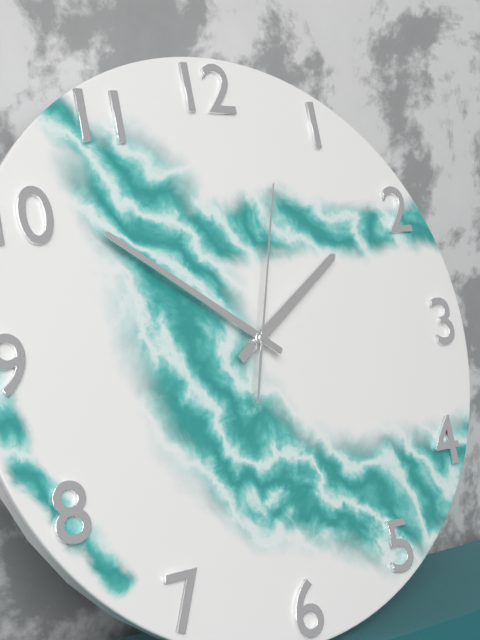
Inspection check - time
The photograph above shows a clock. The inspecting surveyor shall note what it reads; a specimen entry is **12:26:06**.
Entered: **1:51:03**
